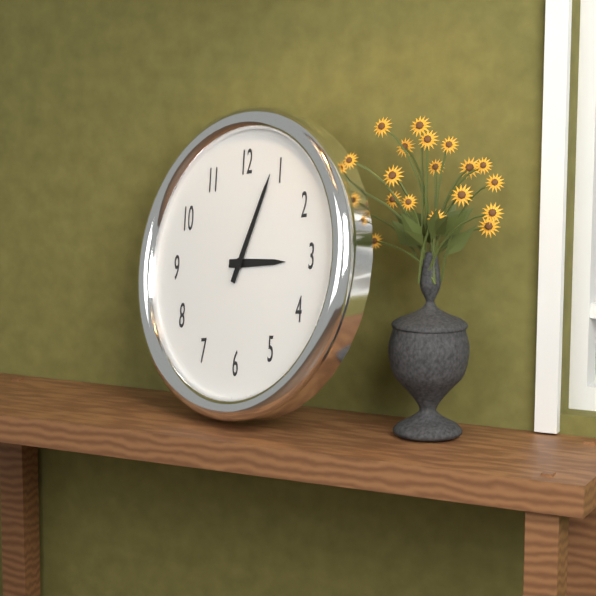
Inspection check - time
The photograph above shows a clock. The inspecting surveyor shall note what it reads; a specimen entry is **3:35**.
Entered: **3:04**
